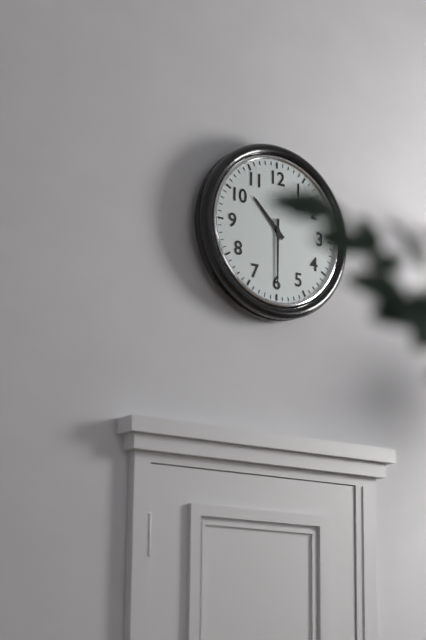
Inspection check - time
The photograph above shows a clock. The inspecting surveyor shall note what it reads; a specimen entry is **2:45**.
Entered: **10:30**
